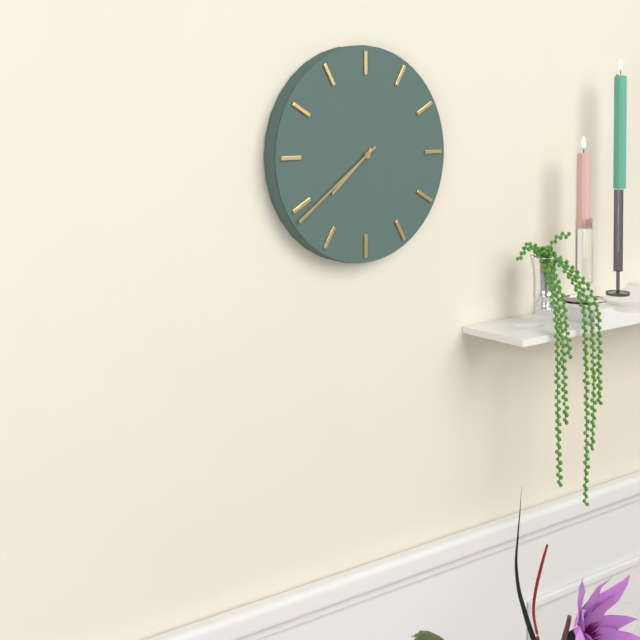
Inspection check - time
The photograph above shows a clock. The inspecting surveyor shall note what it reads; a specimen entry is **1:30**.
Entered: **7:39**
